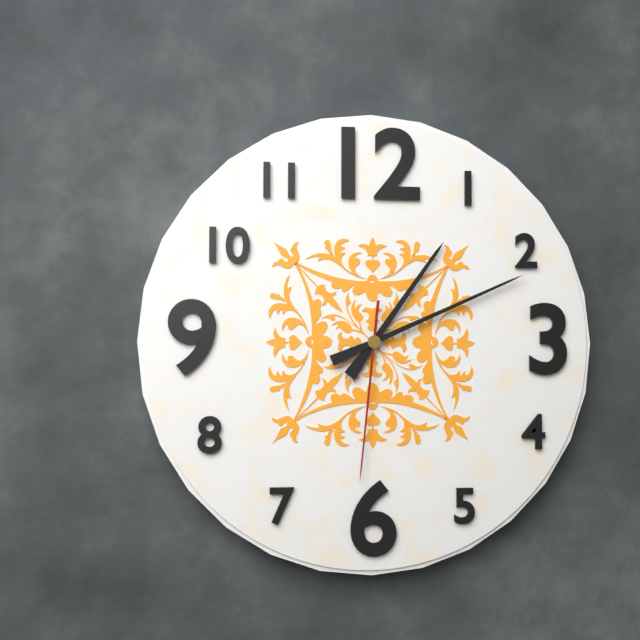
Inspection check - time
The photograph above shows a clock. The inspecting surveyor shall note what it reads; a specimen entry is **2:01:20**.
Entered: **1:11:31**
